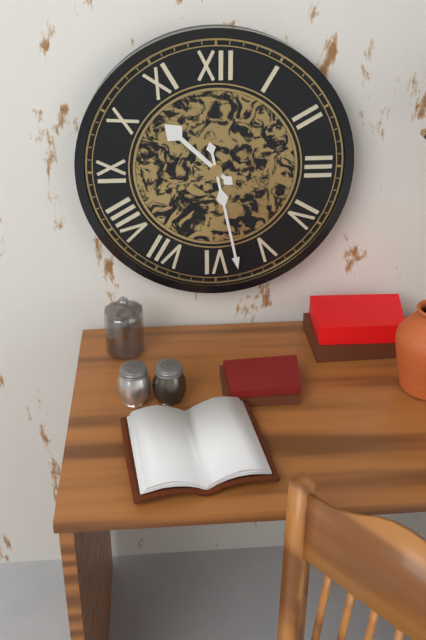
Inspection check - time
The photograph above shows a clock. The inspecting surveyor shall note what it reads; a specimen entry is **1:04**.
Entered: **10:28**
